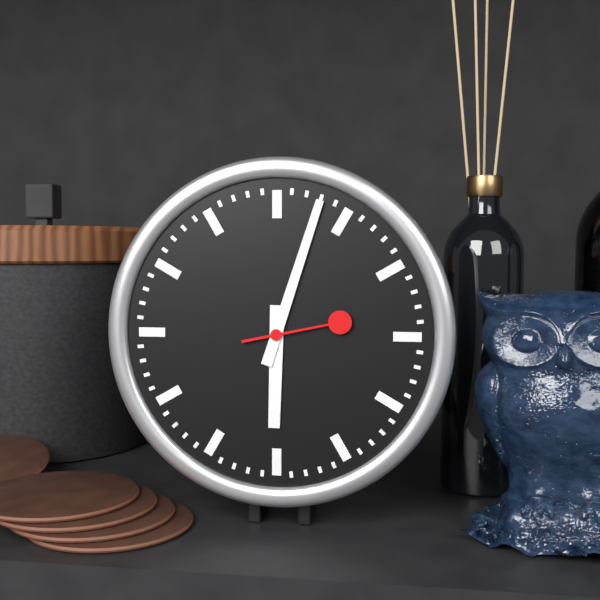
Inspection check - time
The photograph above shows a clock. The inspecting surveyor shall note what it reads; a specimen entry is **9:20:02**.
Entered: **6:03:13**
